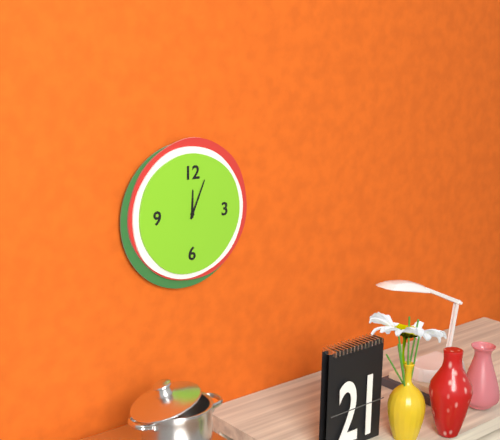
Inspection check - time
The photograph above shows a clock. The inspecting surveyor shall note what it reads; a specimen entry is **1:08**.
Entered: **12:04**
